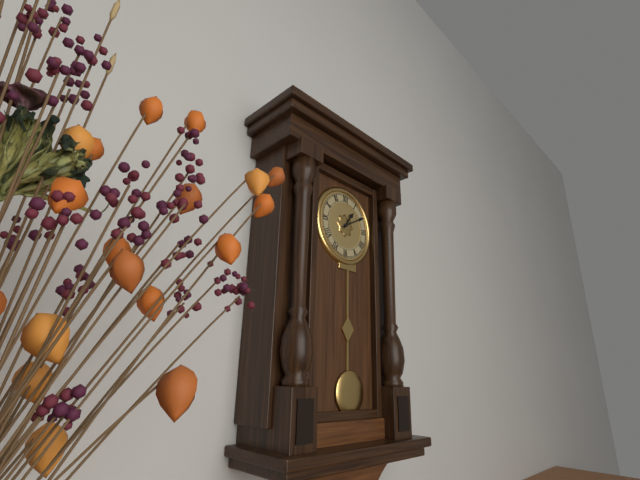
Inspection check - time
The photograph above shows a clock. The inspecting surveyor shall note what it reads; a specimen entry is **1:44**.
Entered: **1:10**
